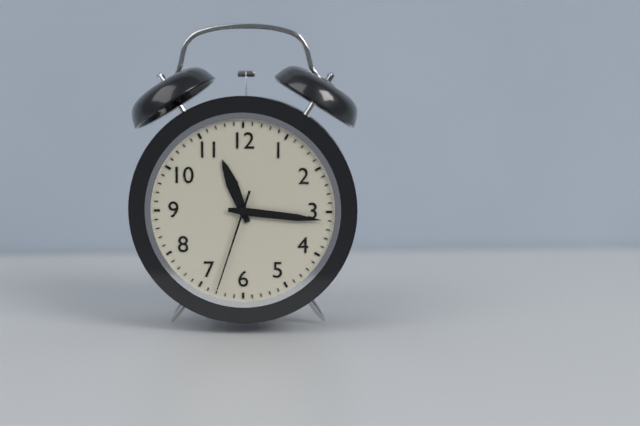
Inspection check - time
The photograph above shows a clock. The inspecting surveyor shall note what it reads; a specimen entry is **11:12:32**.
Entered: **11:16:33**
